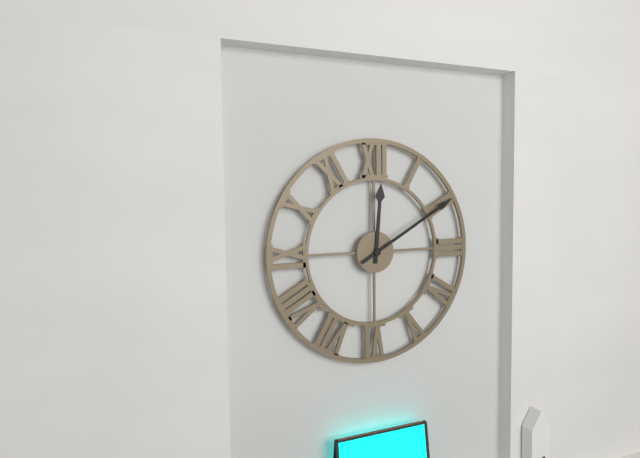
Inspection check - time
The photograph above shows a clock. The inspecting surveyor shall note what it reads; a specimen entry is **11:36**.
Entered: **12:10**
